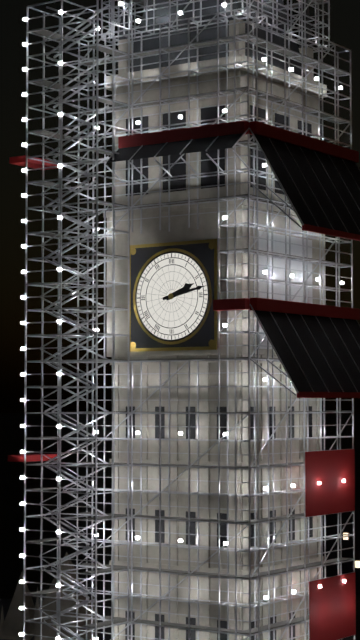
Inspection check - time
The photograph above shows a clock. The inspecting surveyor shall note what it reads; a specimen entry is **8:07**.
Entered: **2:13**
